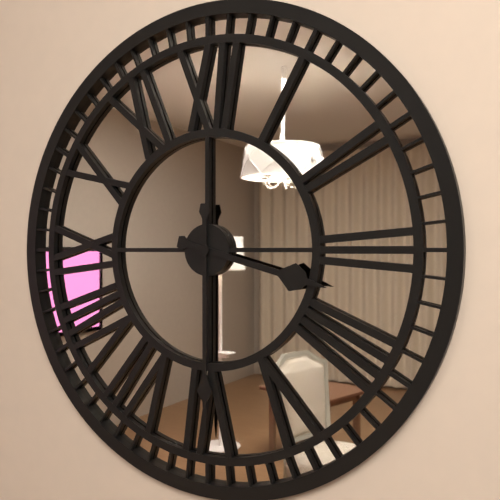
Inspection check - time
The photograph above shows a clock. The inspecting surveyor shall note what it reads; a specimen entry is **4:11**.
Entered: **3:30**
